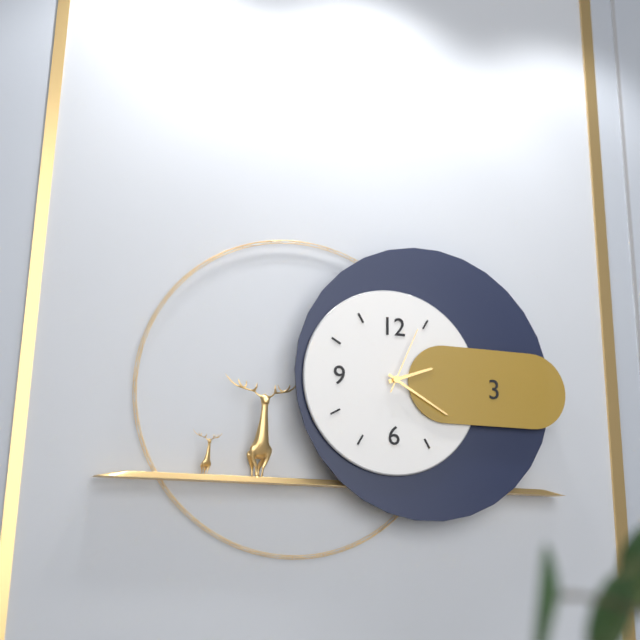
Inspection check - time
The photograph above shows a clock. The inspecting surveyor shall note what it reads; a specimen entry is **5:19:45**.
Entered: **2:20:04**
